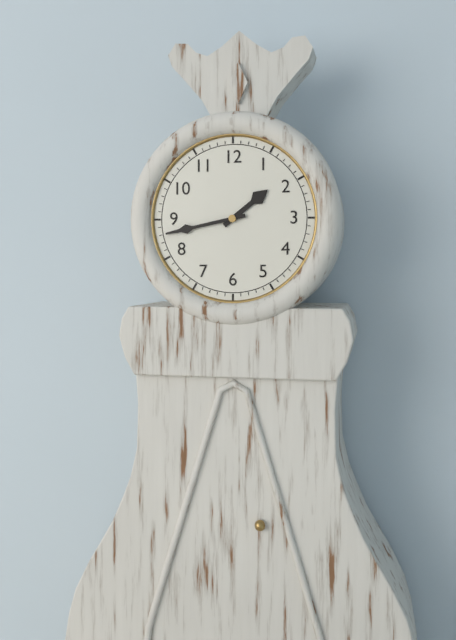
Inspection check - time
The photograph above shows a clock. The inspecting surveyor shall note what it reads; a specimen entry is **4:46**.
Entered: **1:43**
